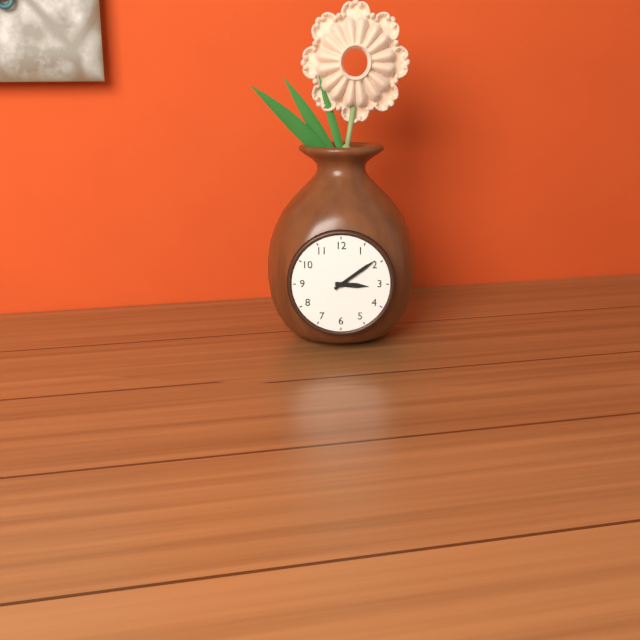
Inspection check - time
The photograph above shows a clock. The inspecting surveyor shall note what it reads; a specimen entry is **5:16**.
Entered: **3:09**
